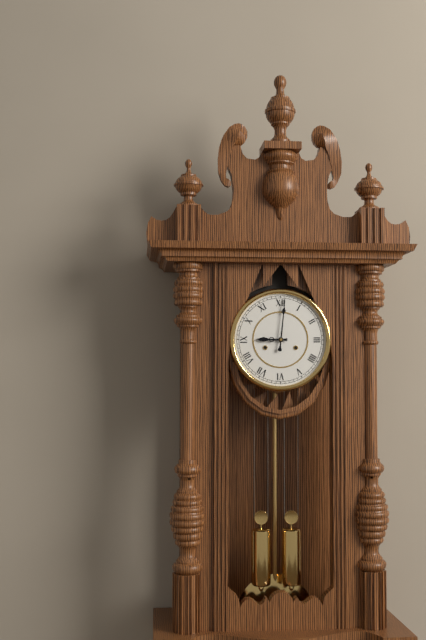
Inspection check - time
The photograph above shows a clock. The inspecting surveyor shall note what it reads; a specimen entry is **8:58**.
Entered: **9:01**
